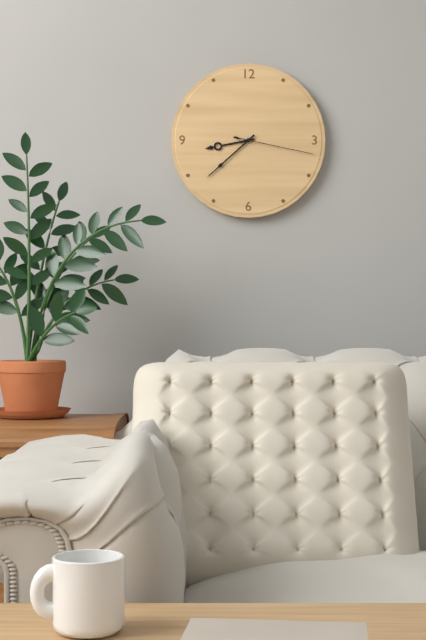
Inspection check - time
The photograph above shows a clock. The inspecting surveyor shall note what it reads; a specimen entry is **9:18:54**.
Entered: **8:38:17**
